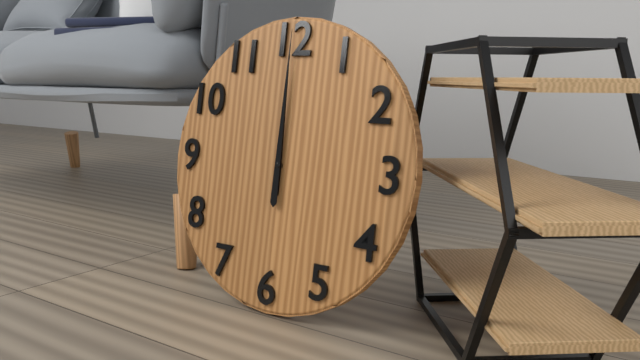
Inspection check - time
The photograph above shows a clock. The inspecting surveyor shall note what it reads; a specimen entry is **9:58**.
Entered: **12:00**
